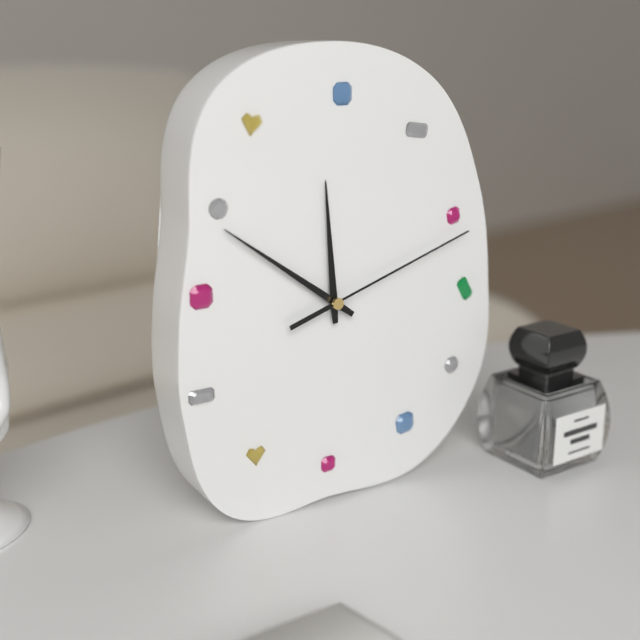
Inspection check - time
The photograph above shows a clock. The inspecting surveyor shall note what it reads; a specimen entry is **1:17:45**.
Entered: **11:51:12**
